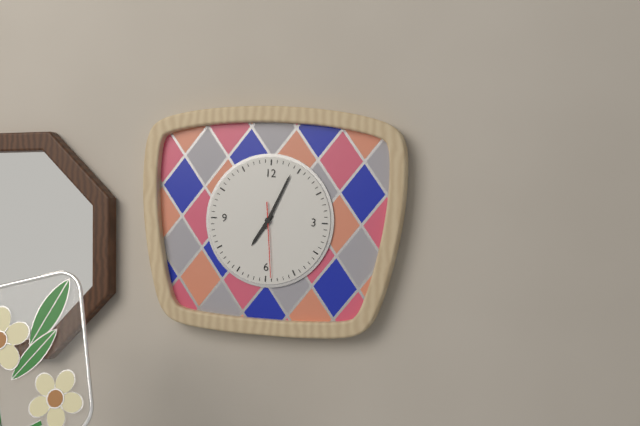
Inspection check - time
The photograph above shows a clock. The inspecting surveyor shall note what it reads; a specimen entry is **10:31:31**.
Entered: **7:04:29**
